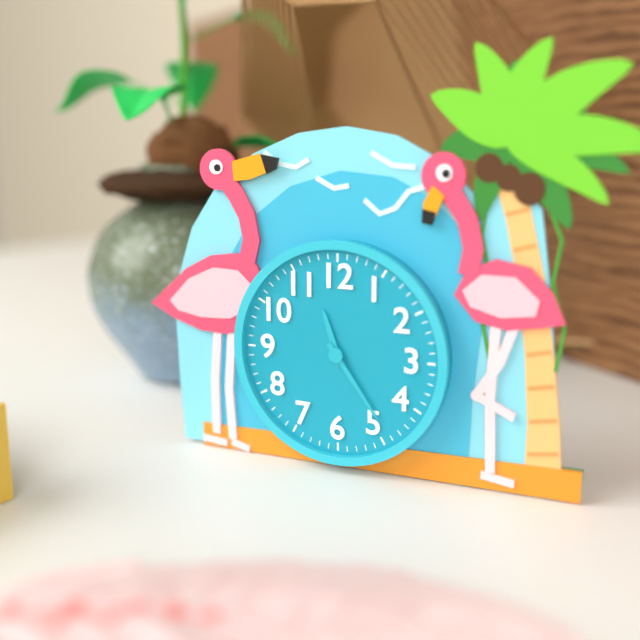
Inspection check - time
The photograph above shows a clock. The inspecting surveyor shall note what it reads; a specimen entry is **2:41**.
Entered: **11:24**
